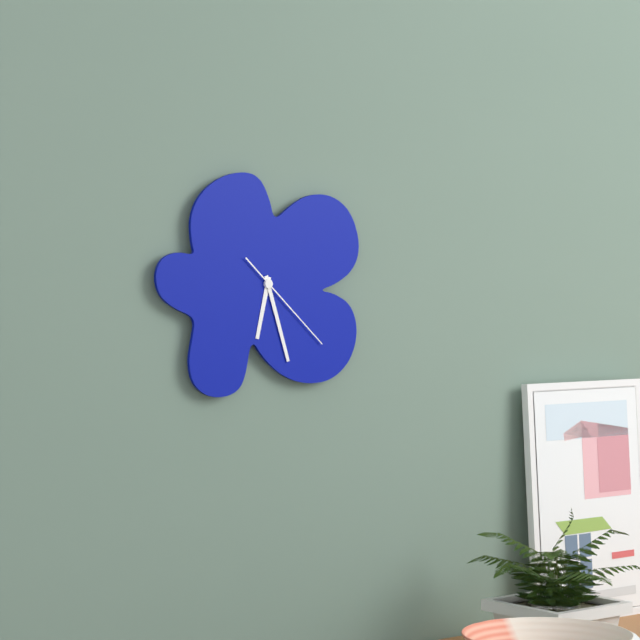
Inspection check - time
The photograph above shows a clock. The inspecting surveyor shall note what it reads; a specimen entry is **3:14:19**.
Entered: **6:27:22**
